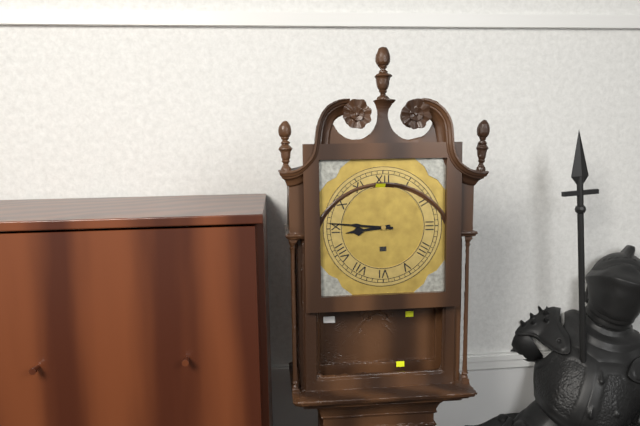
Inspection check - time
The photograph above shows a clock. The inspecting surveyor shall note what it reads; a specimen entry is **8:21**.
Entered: **8:46**
